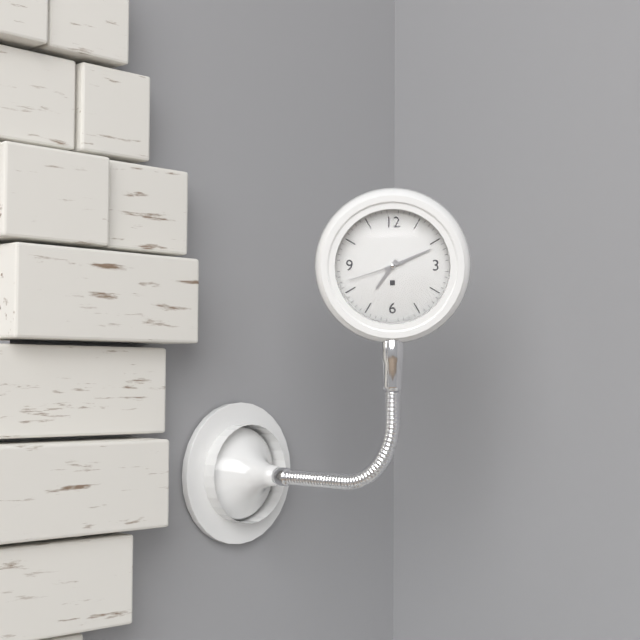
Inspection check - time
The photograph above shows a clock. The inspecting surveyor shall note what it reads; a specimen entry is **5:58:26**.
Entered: **7:11:42**
